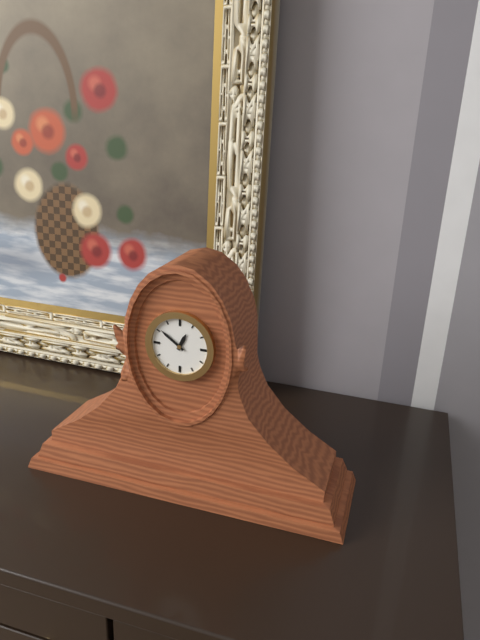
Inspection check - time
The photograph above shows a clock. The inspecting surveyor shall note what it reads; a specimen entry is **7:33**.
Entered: **12:51**
